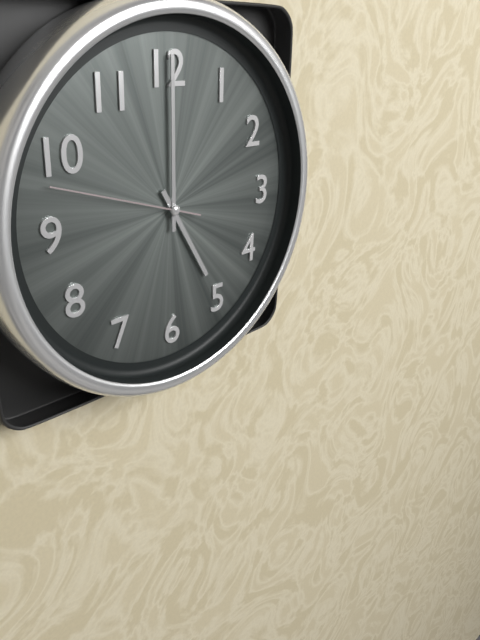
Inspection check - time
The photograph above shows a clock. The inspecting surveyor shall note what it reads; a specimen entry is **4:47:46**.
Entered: **5:00:48**
